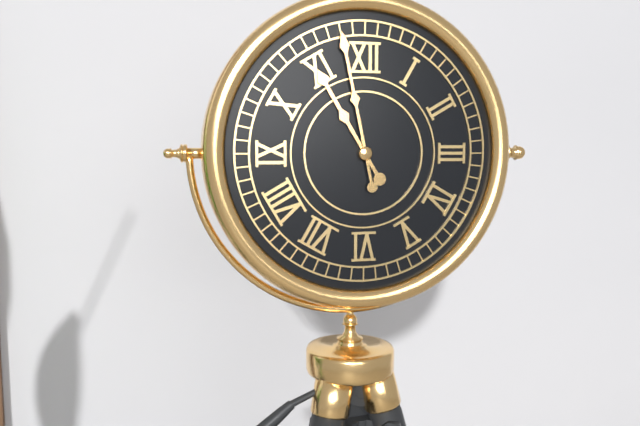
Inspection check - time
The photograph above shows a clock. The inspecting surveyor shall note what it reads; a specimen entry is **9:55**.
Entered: **10:58**
